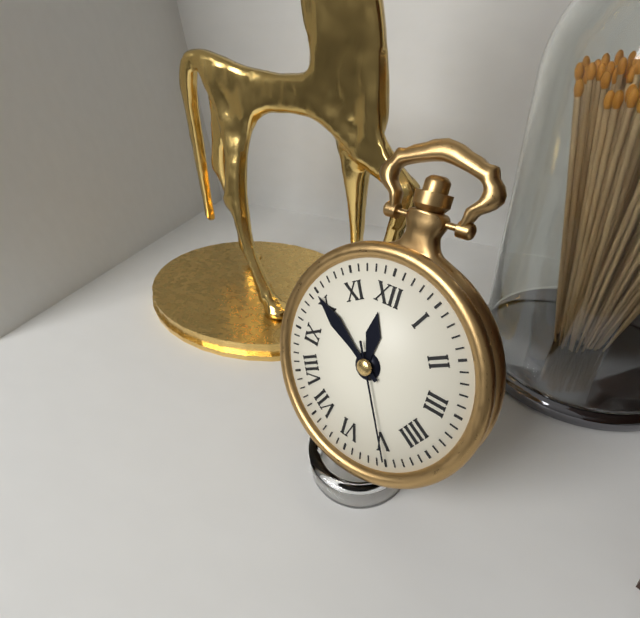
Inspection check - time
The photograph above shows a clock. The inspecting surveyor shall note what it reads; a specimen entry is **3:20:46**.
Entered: **11:50:25**
